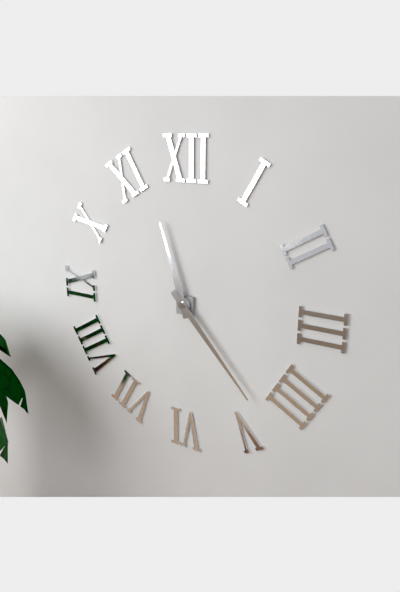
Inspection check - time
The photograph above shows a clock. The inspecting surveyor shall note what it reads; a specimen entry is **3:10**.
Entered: **11:23**
